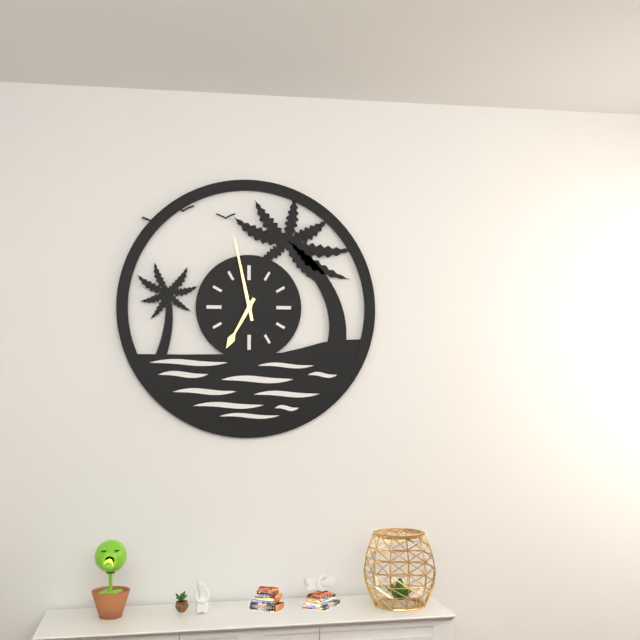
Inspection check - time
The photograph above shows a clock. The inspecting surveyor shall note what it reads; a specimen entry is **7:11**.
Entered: **6:58**
